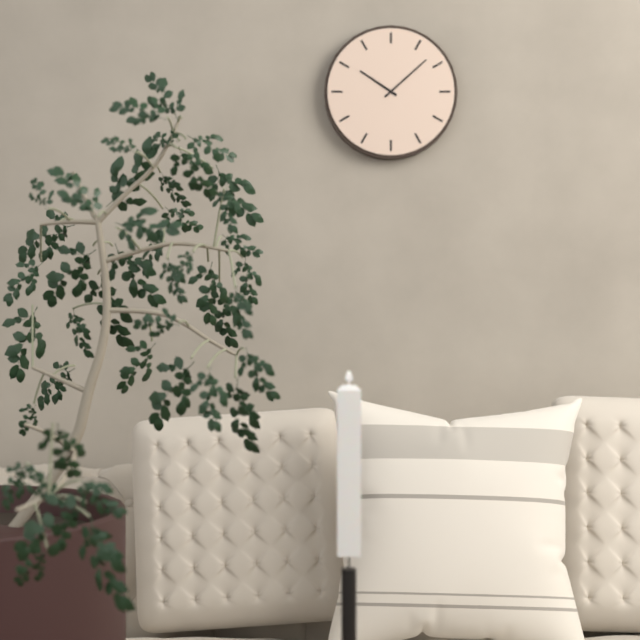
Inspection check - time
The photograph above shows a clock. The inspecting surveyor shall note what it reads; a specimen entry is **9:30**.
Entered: **10:08**
